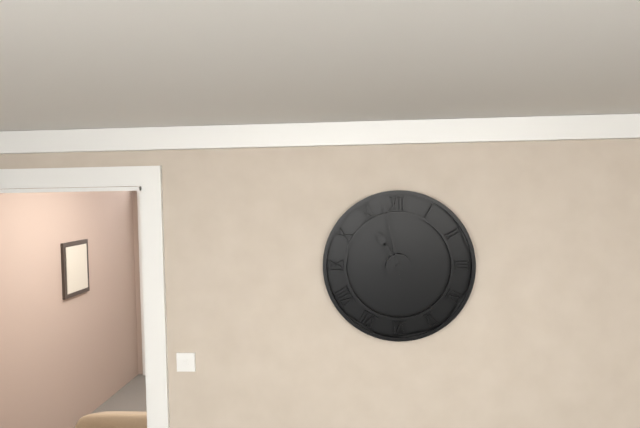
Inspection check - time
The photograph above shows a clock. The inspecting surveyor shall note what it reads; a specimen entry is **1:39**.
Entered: **10:58**
